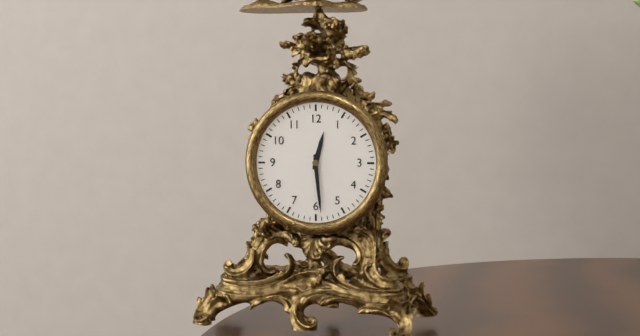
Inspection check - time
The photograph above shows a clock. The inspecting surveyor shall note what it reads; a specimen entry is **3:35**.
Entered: **12:29**
